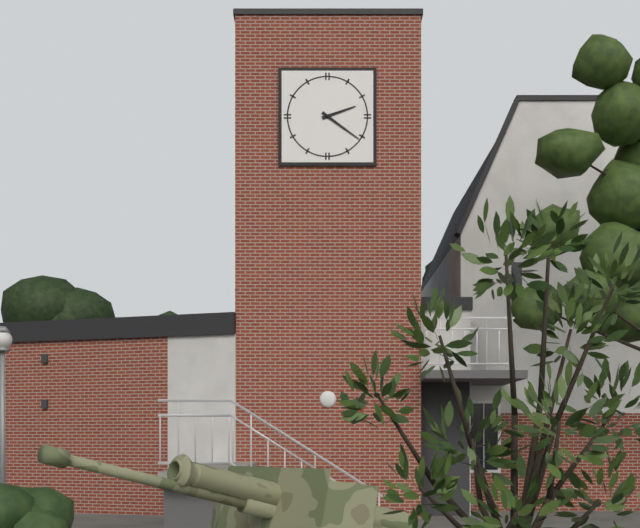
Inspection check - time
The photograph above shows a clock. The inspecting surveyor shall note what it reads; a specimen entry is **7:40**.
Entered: **2:21**
